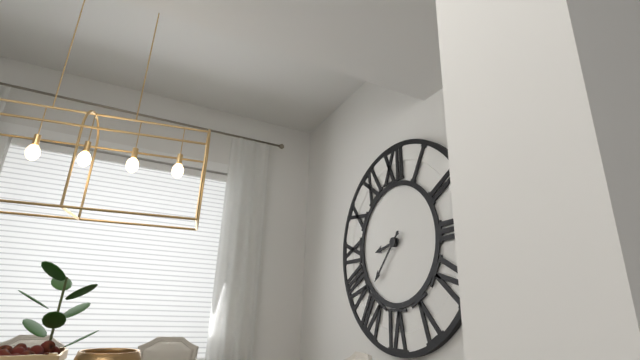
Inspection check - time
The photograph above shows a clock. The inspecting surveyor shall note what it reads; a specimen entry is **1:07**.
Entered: **8:37**
